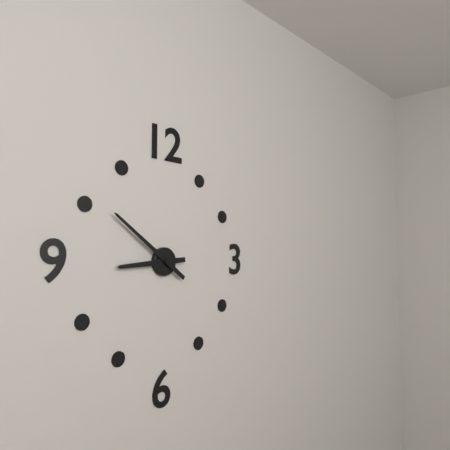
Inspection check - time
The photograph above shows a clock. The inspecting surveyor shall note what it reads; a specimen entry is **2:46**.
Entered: **8:51**
